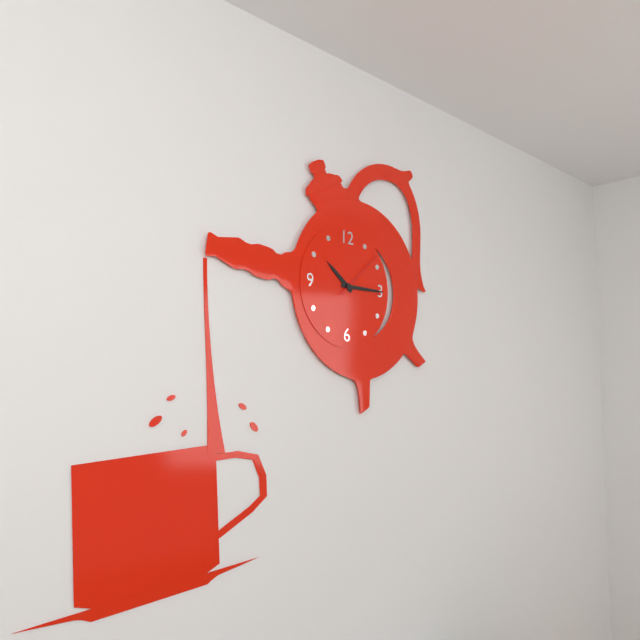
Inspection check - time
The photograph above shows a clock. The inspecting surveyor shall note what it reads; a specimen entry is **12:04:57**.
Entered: **10:15:08**
